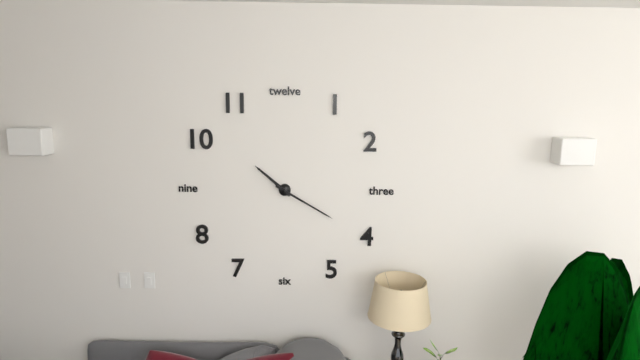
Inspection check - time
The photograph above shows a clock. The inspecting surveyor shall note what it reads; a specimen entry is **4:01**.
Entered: **10:20**
